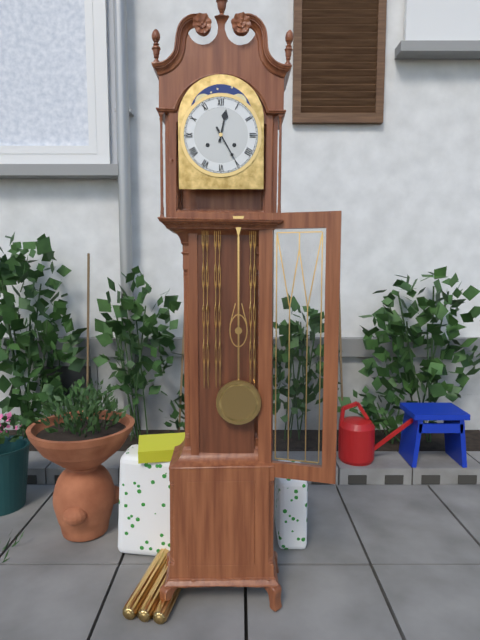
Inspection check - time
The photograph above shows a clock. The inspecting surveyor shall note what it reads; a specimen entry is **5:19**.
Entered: **12:25**
